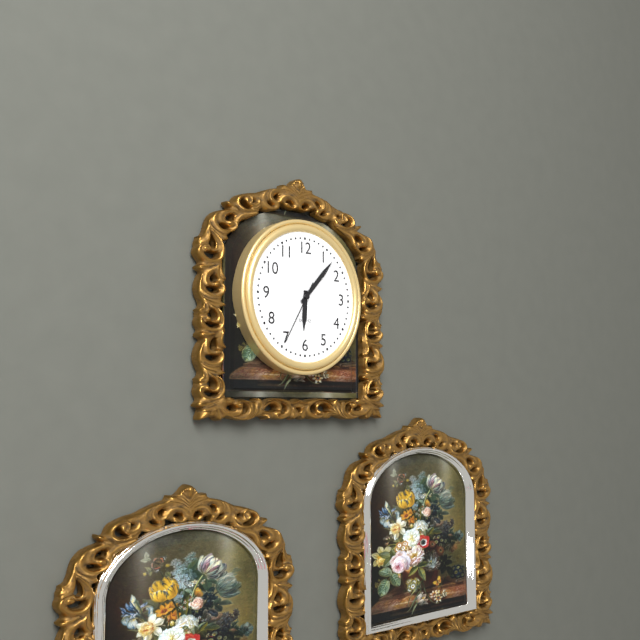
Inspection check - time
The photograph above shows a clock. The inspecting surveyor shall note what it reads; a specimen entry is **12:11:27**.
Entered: **6:07:35**
